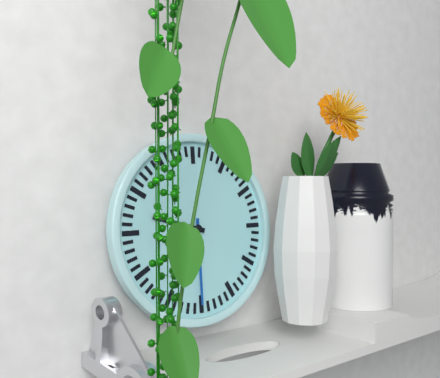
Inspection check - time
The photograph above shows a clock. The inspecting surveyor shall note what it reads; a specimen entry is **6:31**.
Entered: **9:30**
